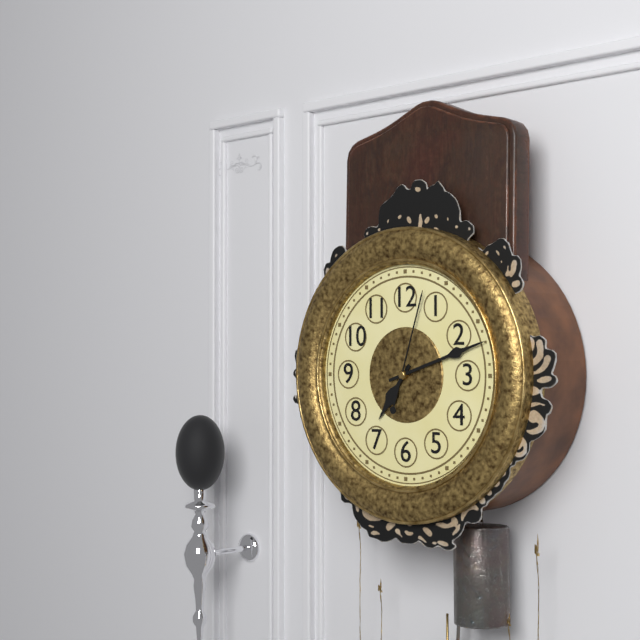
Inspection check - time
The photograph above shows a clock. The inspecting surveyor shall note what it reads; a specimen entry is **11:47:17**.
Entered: **7:12:03**
